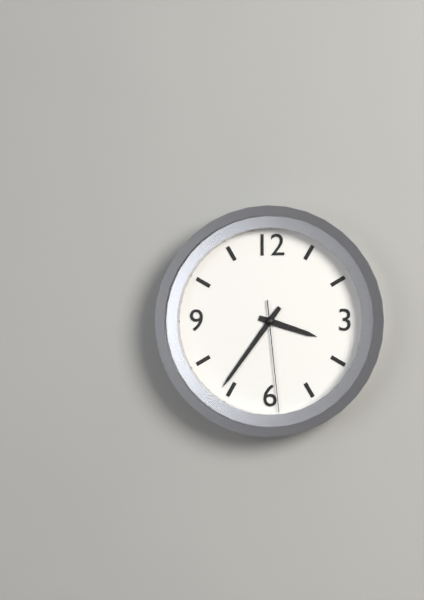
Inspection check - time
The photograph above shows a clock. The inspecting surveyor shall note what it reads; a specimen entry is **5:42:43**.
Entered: **3:36:29**
